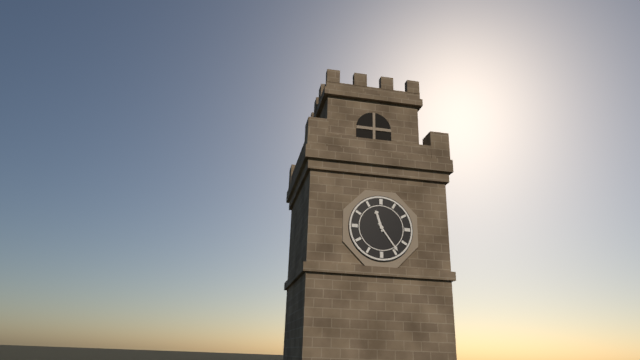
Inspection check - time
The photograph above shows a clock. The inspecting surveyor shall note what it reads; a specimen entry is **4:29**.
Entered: **11:24**
